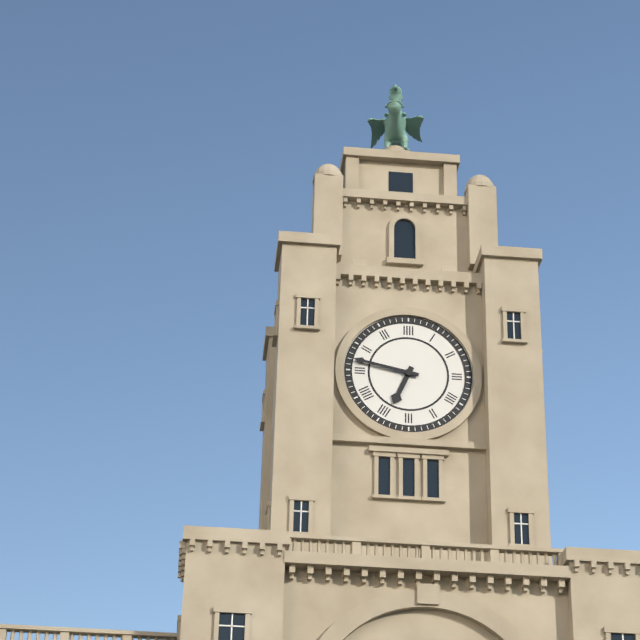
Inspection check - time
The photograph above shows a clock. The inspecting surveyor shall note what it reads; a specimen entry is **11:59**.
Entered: **6:47**
